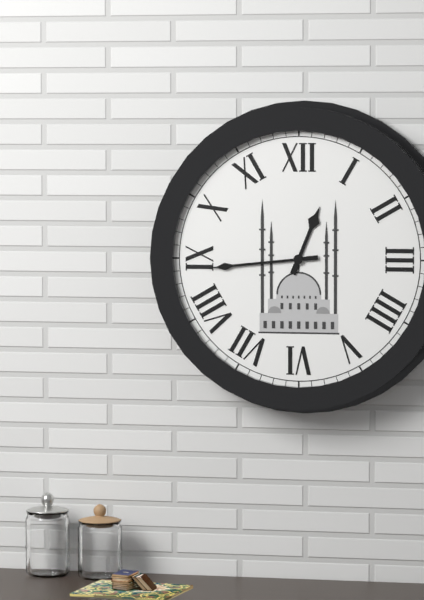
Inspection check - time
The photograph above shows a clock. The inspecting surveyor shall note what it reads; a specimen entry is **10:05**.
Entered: **12:44**
